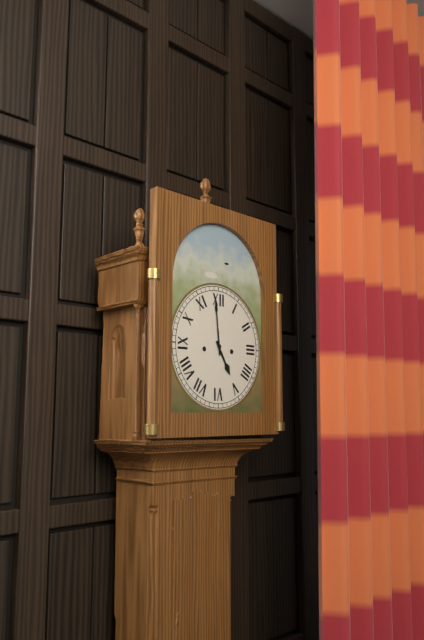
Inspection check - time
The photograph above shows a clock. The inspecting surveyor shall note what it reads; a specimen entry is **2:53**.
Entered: **4:59**
